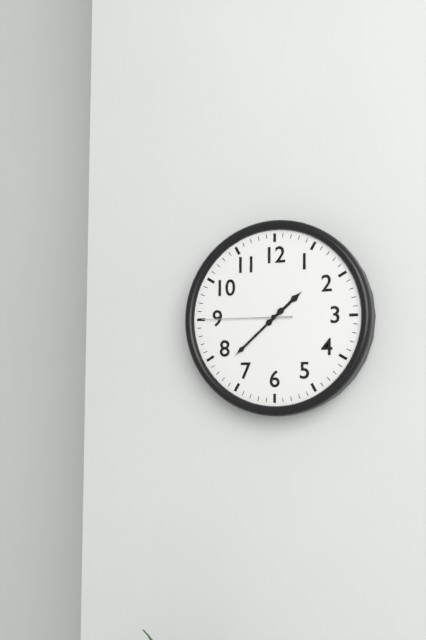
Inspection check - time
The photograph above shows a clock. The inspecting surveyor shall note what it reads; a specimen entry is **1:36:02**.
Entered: **1:38:45**
